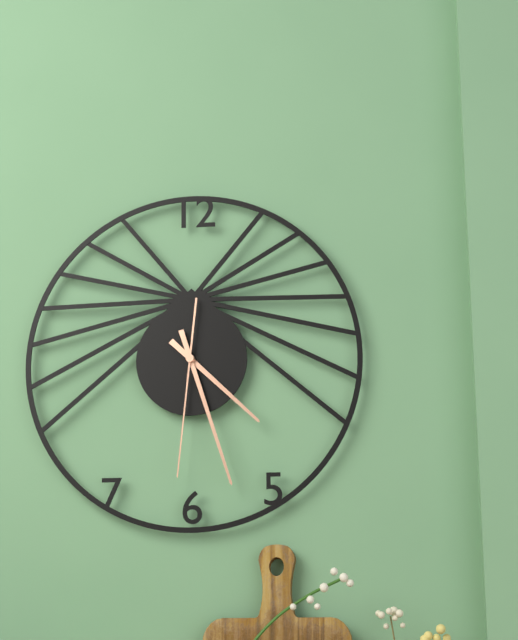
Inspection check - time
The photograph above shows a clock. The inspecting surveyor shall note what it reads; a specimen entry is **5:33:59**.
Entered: **4:27:31**
